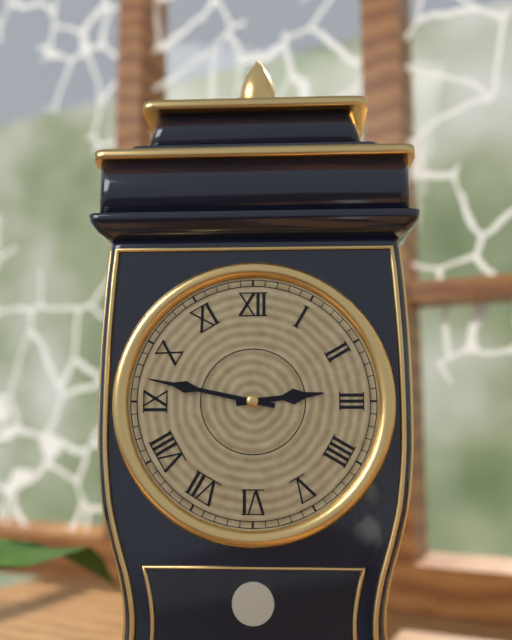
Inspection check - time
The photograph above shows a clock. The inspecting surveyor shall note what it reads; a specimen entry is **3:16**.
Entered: **2:47**
